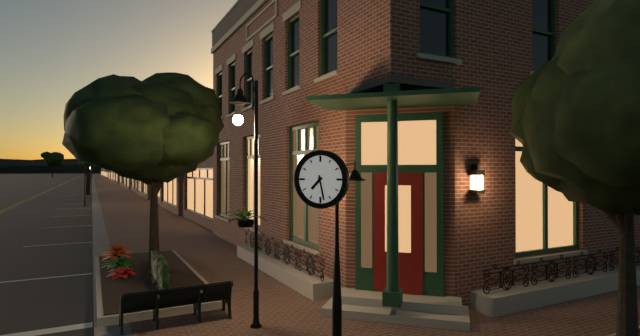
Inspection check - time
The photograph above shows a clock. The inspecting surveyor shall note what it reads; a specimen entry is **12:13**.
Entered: **7:28**
